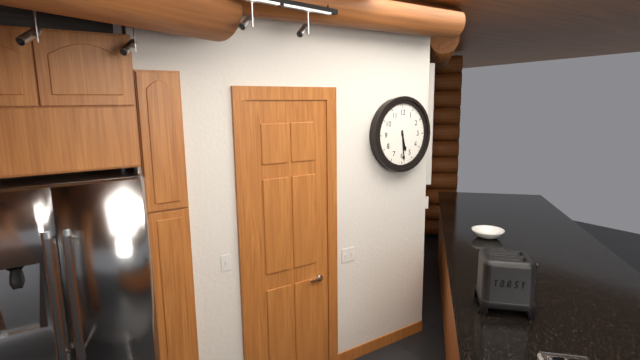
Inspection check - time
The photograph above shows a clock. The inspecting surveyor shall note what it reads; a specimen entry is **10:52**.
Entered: **5:29**
